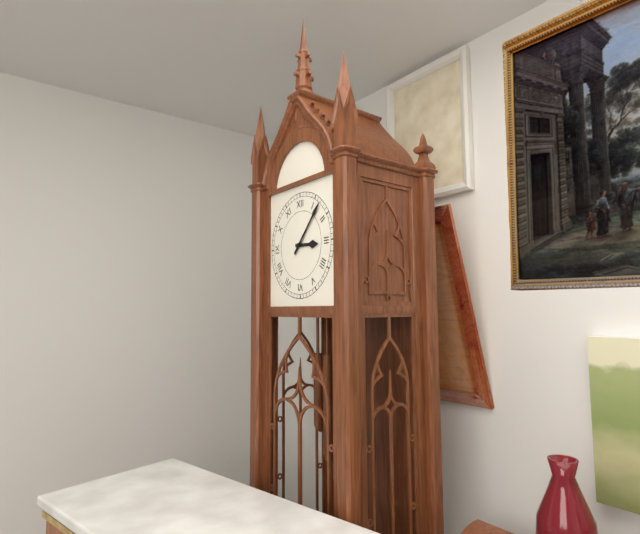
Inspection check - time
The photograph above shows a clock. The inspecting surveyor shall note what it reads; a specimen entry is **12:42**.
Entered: **3:07**
